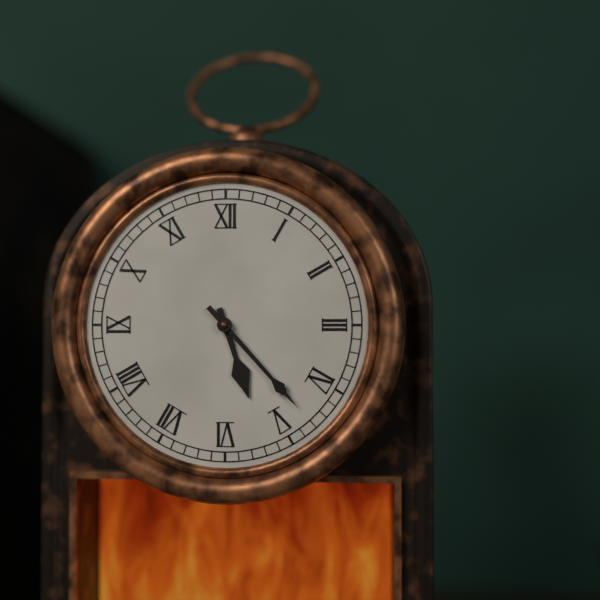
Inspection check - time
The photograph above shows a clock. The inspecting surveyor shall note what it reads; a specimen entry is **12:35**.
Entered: **5:23**
